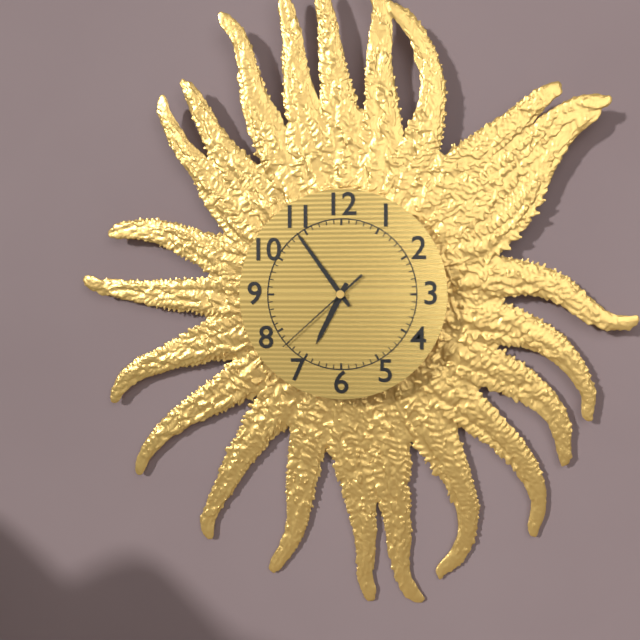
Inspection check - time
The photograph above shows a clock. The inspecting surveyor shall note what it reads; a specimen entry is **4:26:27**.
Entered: **6:54:38**
